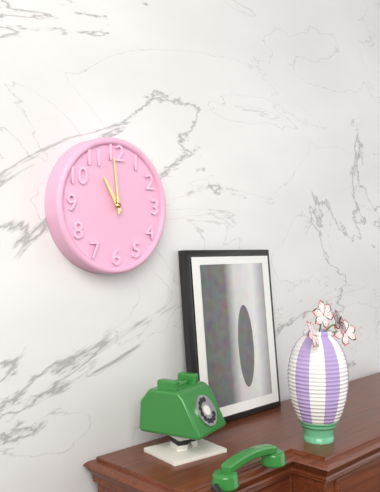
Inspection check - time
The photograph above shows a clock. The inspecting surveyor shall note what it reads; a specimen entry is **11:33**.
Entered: **10:59**
